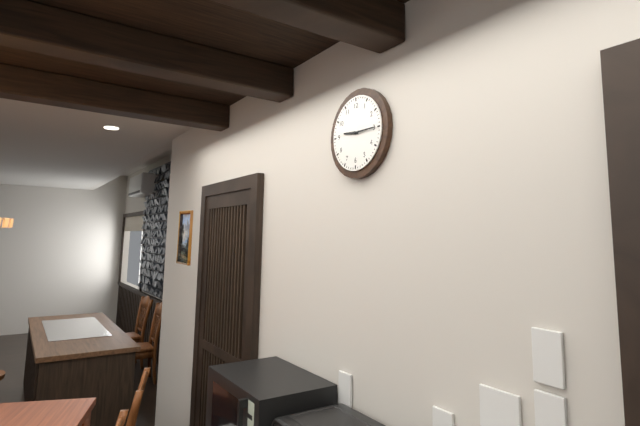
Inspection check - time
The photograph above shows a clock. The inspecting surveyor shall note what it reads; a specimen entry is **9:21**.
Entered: **9:15**
